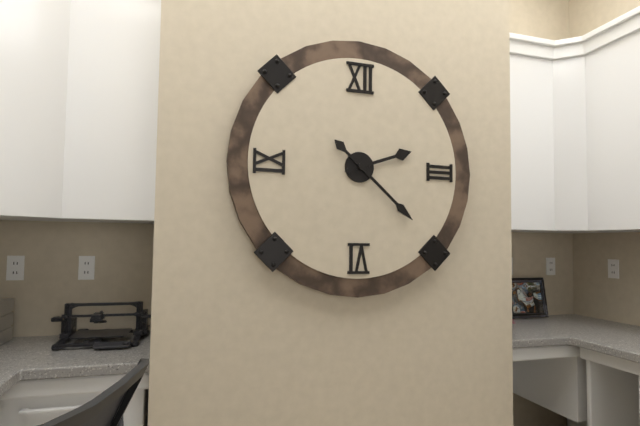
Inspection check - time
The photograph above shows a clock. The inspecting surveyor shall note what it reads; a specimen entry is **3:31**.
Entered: **2:22**
